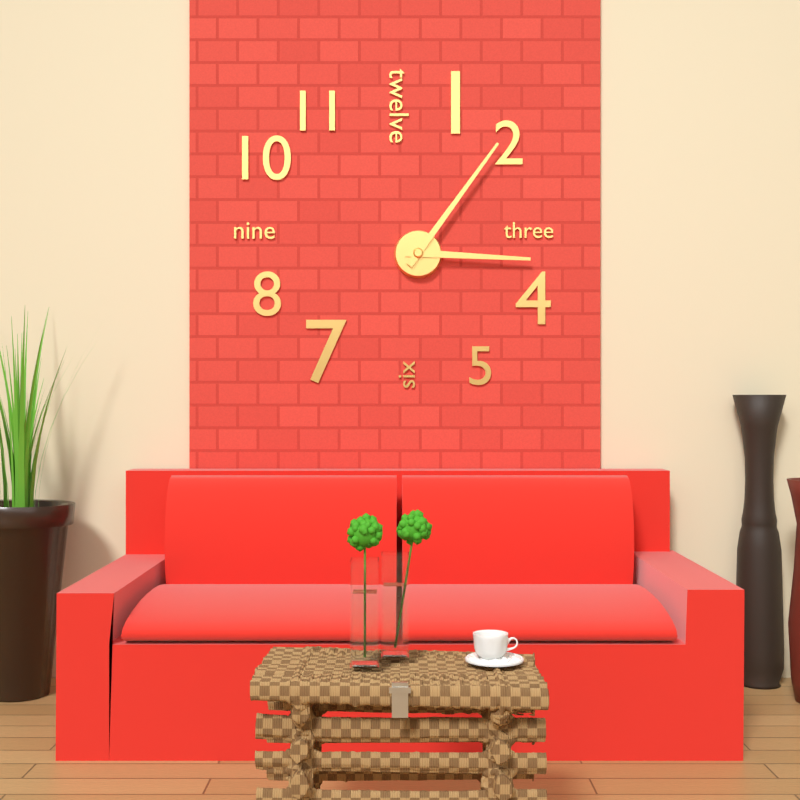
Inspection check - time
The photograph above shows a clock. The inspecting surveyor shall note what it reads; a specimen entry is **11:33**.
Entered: **3:06**
